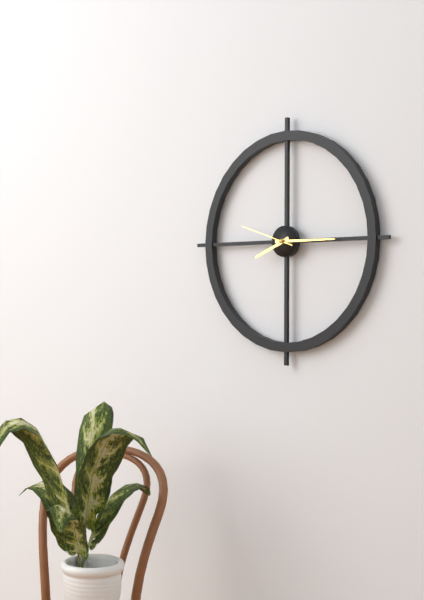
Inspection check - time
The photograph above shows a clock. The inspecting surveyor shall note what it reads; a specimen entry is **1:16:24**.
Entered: **8:15:48**
